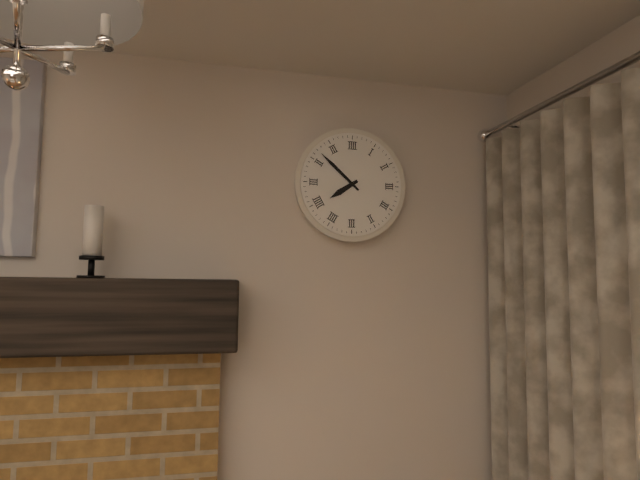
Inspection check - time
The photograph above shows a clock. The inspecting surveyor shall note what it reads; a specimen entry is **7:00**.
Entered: **7:52**
